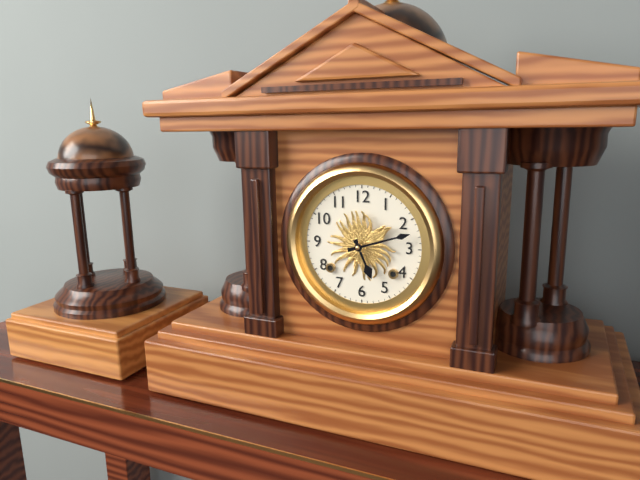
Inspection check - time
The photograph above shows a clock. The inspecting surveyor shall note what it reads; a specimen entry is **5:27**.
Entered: **5:12**
